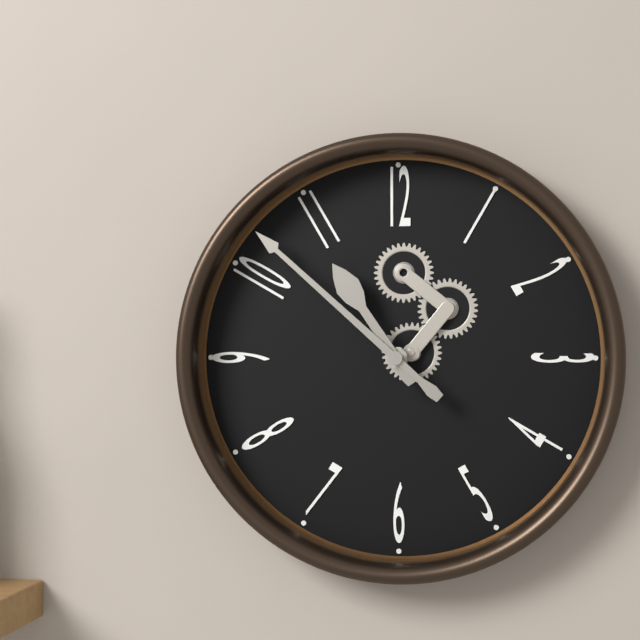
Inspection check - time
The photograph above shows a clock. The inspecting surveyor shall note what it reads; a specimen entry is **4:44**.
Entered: **10:52**
